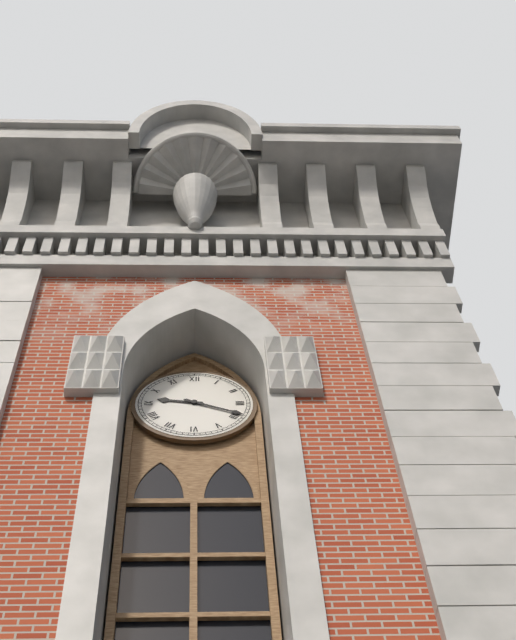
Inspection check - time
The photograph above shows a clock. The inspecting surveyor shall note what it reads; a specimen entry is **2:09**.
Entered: **9:19**
